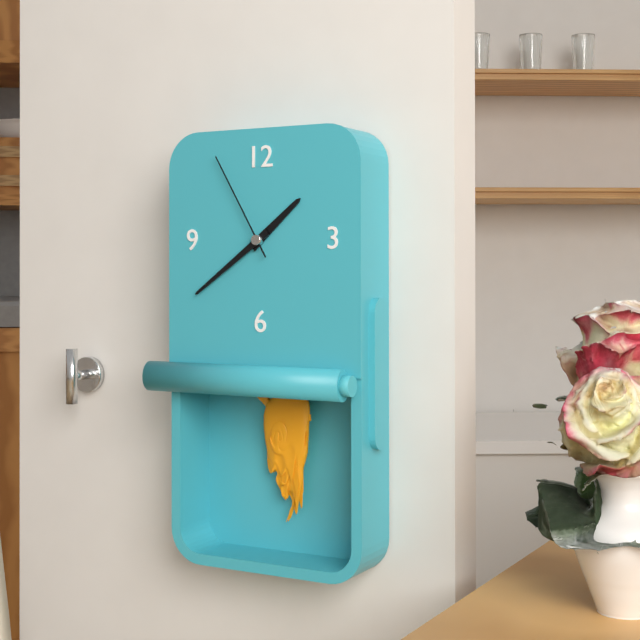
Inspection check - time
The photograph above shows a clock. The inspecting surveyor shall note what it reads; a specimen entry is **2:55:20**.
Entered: **1:39:55**
